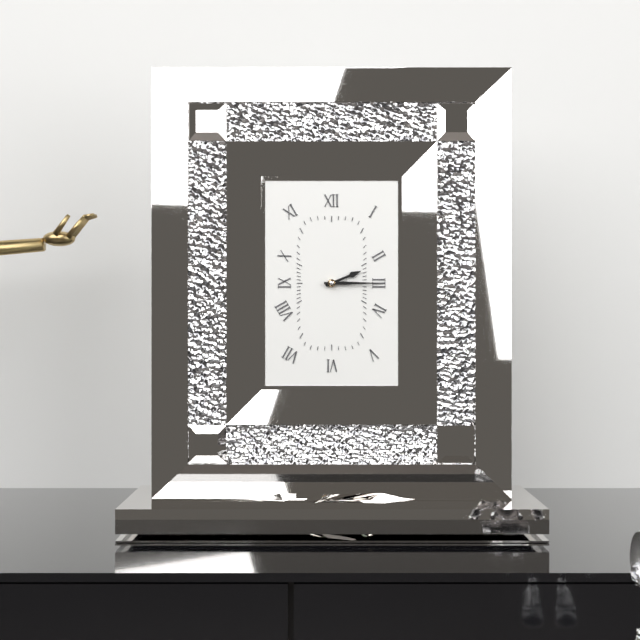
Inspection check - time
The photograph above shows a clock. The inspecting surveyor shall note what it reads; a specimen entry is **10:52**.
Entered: **2:15**
